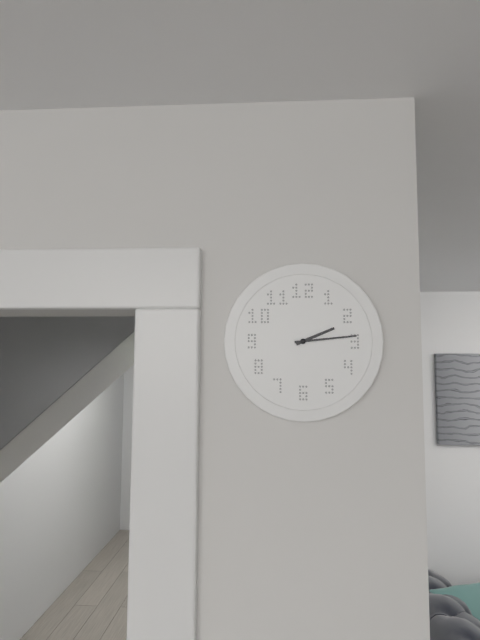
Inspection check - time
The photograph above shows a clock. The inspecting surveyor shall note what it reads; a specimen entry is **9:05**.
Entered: **2:14**
